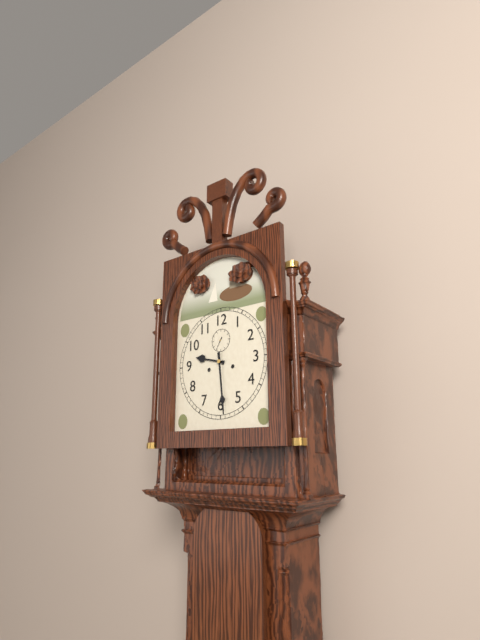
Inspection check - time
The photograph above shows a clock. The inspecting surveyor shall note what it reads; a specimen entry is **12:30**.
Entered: **9:29**
